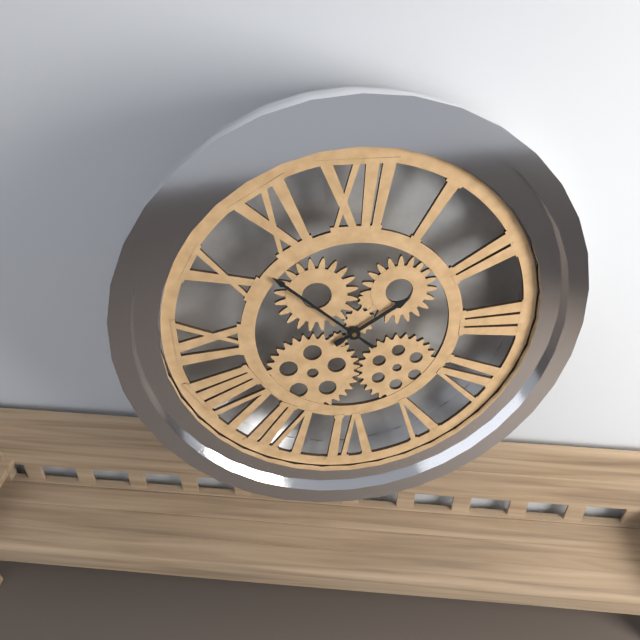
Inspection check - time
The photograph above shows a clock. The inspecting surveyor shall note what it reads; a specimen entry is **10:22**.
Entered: **1:52**
